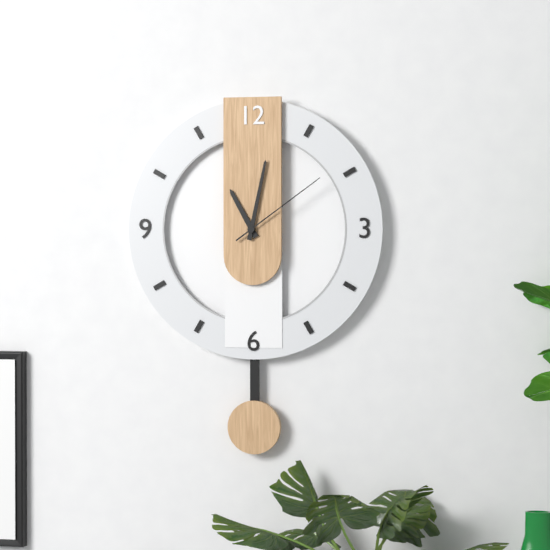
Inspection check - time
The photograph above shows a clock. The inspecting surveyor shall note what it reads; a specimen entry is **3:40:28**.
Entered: **11:02:09**
